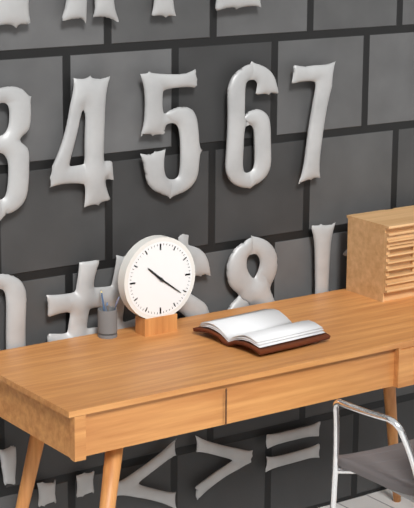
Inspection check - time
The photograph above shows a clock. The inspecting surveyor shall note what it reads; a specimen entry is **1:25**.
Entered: **10:21**
